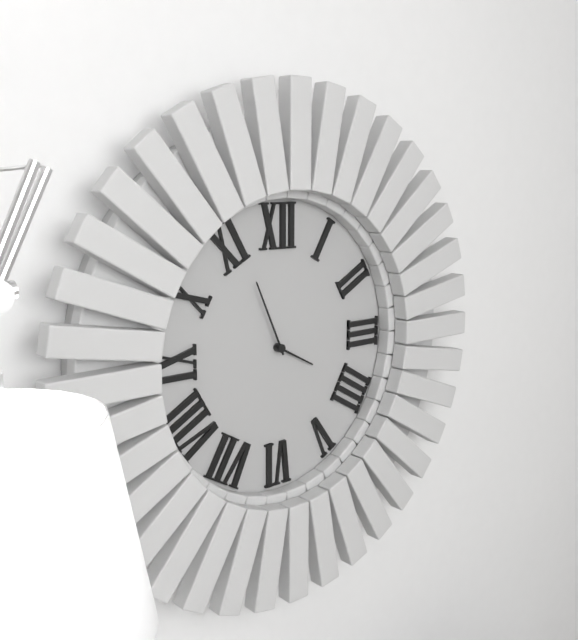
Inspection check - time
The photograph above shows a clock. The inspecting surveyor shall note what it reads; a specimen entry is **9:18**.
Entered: **3:56**
